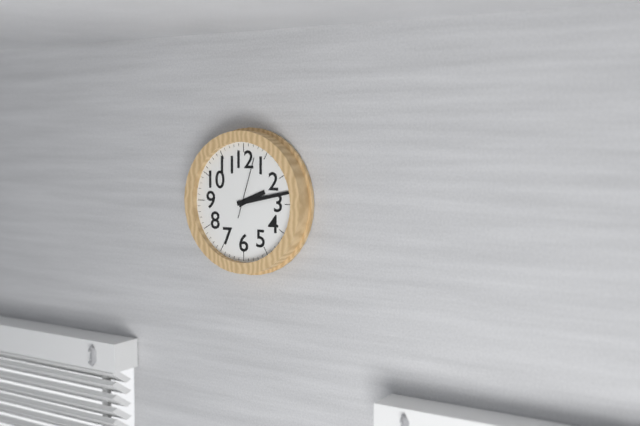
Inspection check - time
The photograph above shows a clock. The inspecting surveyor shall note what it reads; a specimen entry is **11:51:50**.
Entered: **2:13:03**
